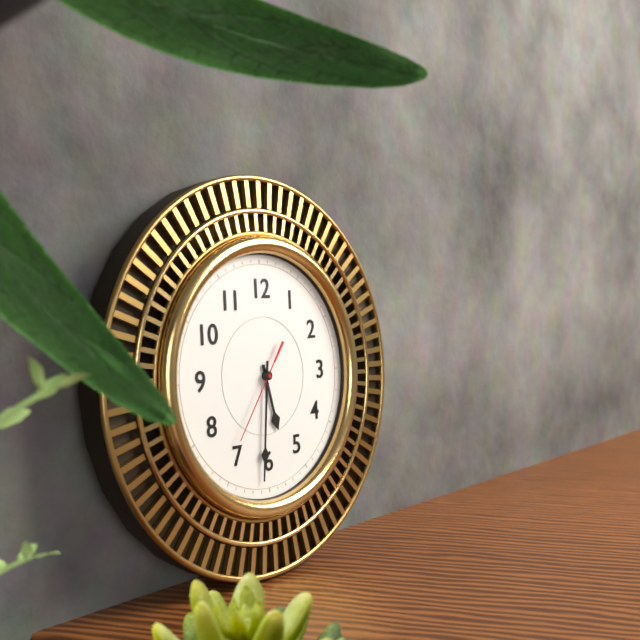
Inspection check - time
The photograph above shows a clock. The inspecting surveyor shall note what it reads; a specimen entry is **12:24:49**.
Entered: **5:31:36**
